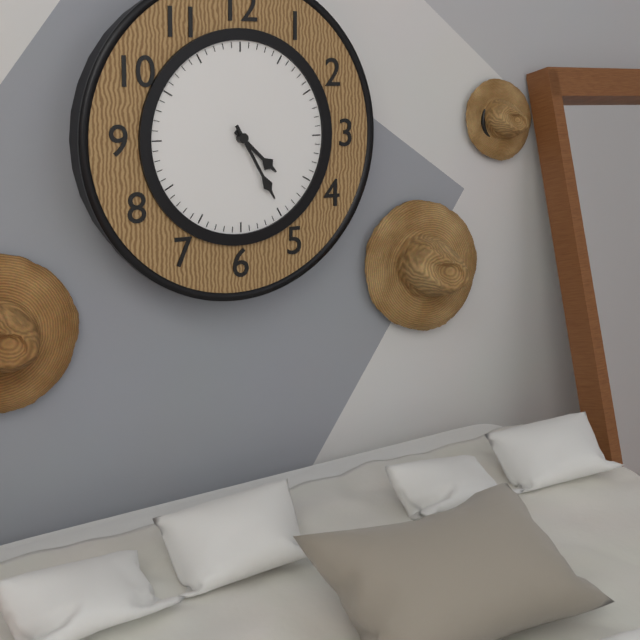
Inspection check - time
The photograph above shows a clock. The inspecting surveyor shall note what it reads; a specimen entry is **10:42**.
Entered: **4:25**
